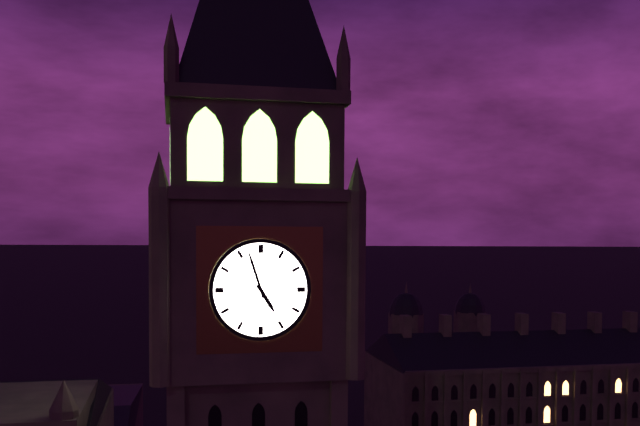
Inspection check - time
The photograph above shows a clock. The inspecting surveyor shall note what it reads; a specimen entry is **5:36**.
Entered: **4:57**
